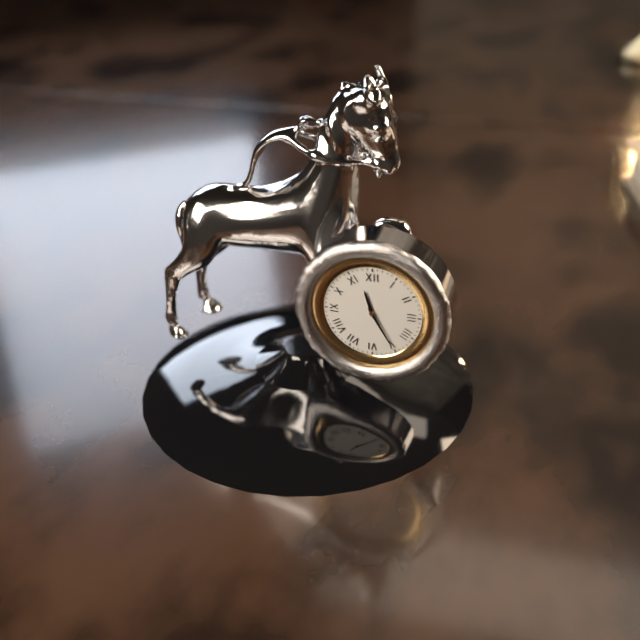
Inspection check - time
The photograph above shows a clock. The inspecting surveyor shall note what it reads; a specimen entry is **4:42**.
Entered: **11:25**
